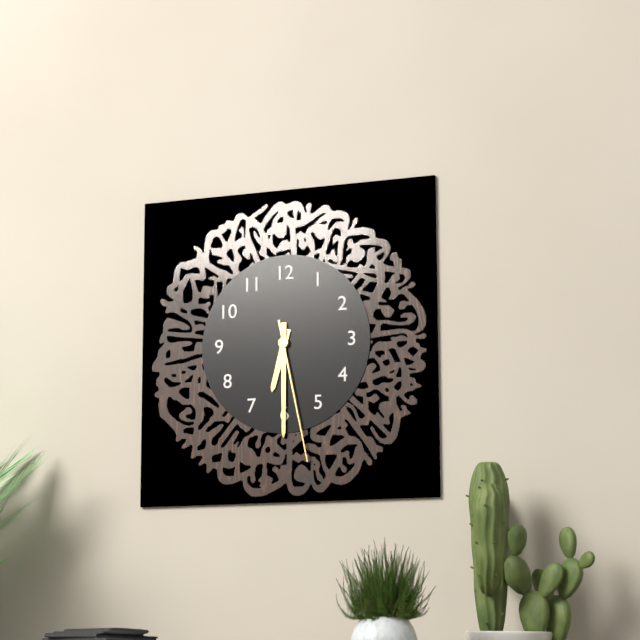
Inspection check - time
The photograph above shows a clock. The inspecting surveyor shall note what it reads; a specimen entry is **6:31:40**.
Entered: **6:30:28**
